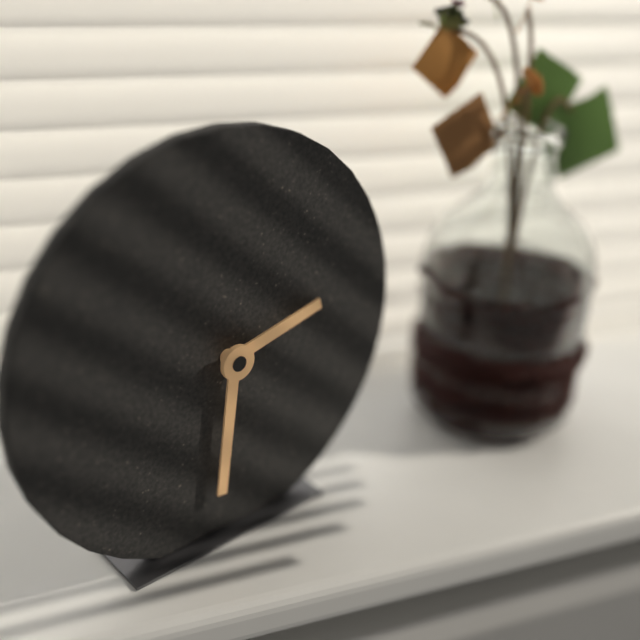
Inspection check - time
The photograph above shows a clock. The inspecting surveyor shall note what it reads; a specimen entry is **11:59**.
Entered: **2:31**
